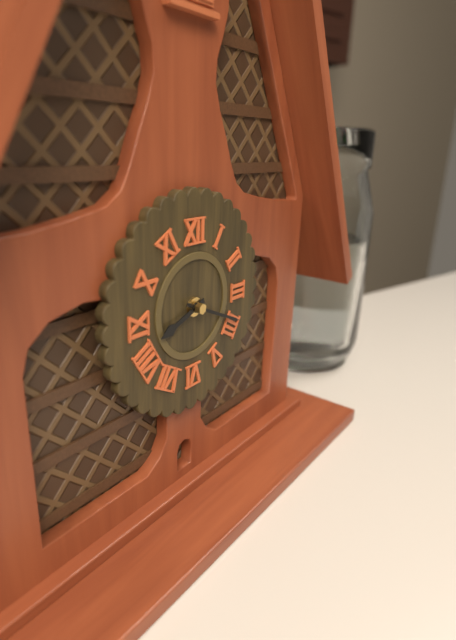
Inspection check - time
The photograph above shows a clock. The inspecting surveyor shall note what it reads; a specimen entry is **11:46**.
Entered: **8:19**
